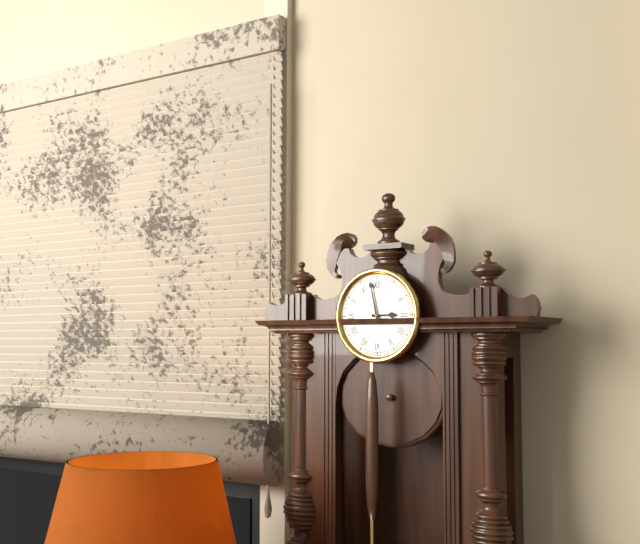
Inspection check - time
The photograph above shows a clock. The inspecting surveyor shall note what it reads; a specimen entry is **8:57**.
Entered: **2:58**
